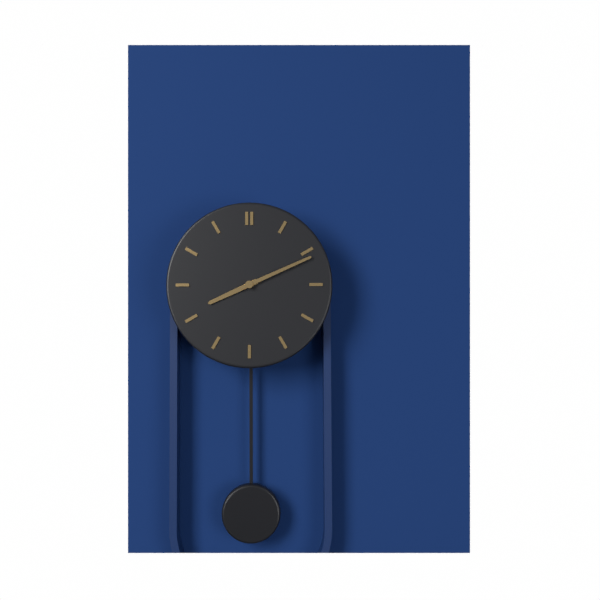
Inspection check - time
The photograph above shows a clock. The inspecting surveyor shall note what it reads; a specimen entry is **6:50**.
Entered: **8:11**
